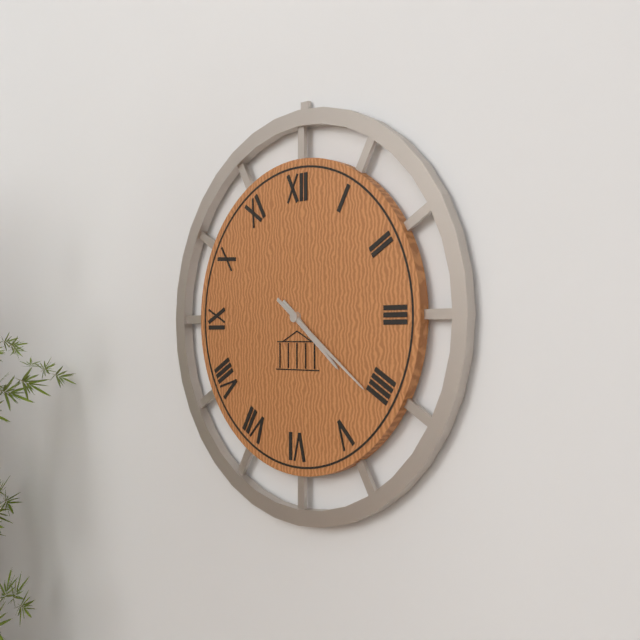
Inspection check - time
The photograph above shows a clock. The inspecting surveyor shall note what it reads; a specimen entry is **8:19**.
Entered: **4:21**
